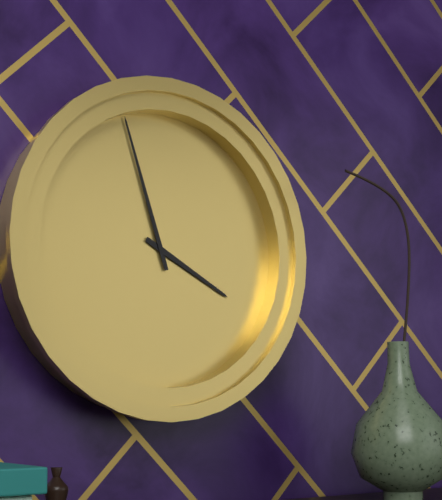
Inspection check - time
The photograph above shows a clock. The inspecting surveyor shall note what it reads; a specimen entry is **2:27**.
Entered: **3:57**
